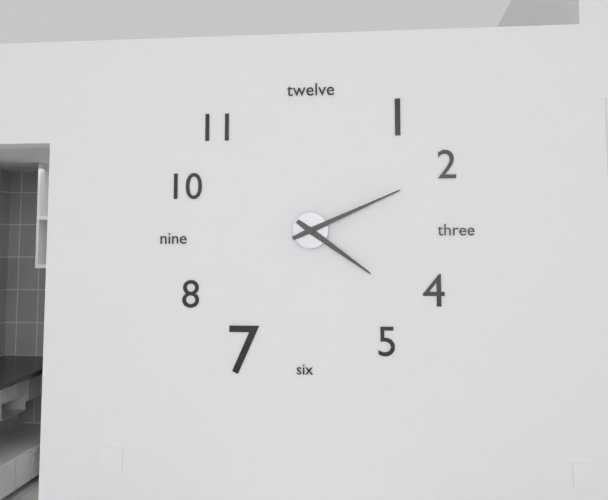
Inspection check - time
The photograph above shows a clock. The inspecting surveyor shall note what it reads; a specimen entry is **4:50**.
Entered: **4:11**
